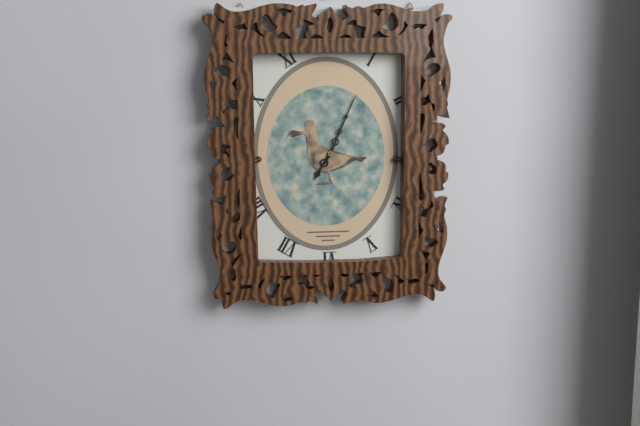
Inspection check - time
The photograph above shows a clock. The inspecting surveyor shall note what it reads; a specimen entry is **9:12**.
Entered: **7:04**
